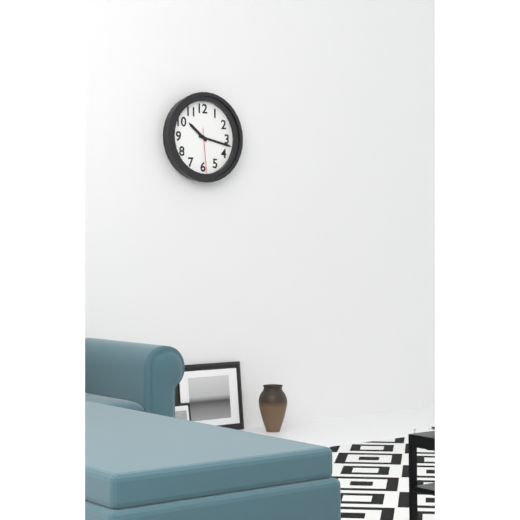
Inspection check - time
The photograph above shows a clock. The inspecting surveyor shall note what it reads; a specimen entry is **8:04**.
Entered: **10:17**
